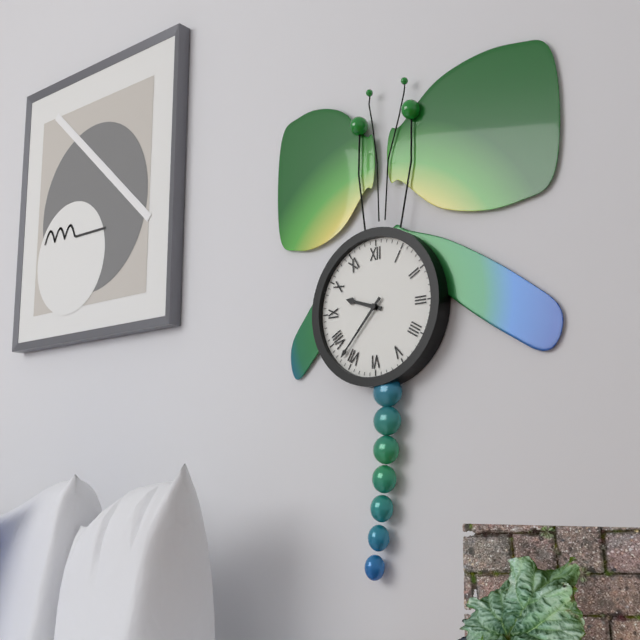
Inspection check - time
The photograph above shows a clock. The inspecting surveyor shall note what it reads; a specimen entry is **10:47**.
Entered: **9:37**
